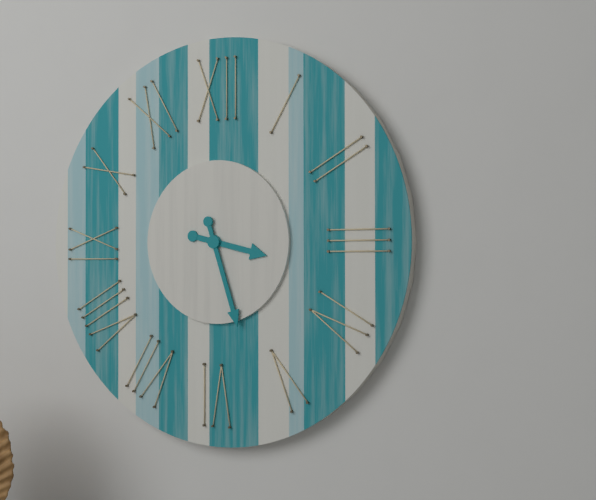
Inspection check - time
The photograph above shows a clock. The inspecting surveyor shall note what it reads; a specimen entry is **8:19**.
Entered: **3:27**
